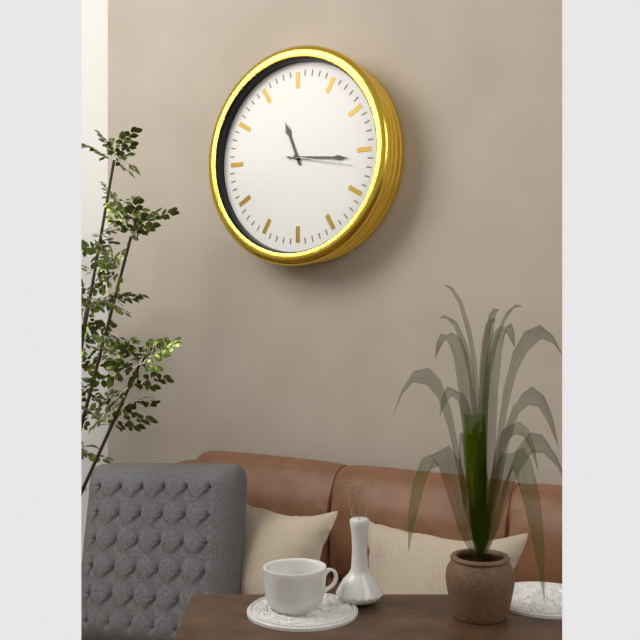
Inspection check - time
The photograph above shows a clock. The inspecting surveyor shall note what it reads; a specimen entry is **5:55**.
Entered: **11:16**
